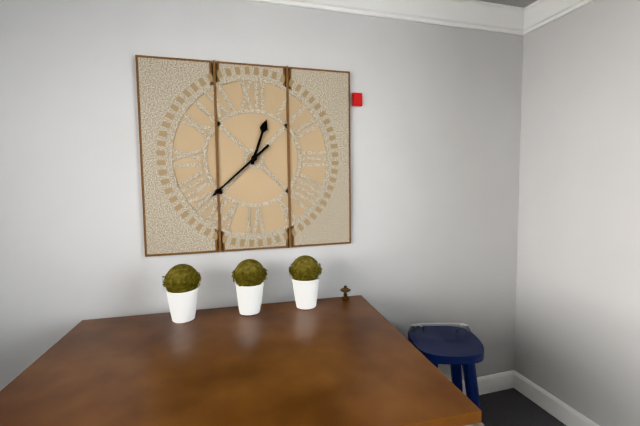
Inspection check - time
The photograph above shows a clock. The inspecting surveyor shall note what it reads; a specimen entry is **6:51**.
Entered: **12:38**
